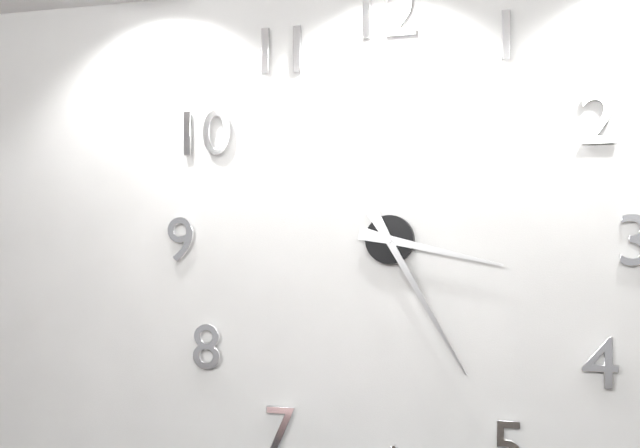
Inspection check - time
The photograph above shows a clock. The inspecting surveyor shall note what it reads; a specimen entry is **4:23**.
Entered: **3:25**
